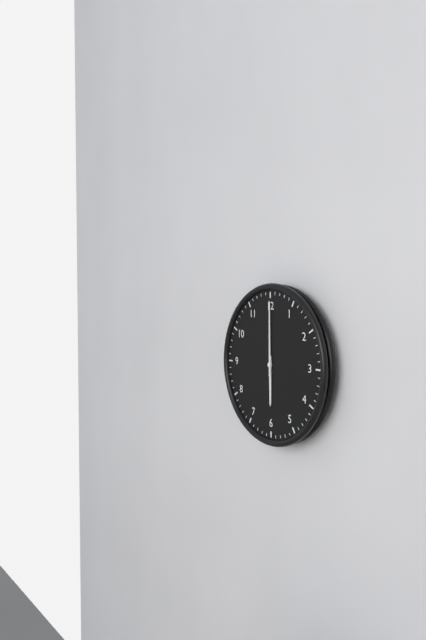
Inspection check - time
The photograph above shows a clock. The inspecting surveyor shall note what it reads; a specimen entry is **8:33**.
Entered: **6:00**
